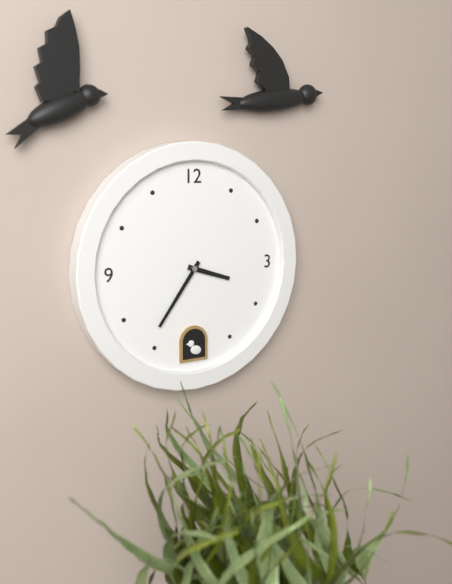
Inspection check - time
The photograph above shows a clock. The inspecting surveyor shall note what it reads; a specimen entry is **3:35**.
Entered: **3:36**
